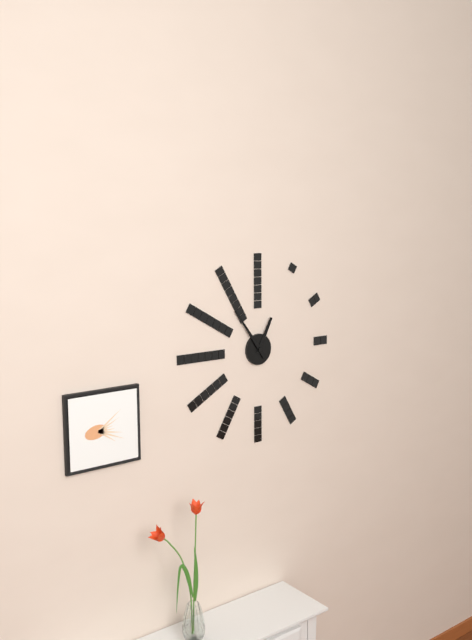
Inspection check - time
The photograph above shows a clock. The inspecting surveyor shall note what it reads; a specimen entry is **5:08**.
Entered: **12:54**
